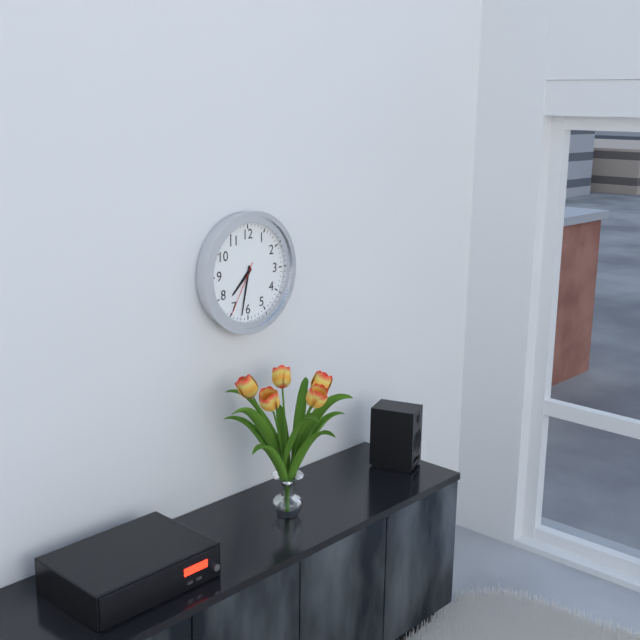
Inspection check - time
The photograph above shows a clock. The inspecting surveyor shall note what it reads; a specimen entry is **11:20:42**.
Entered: **7:32:35**
